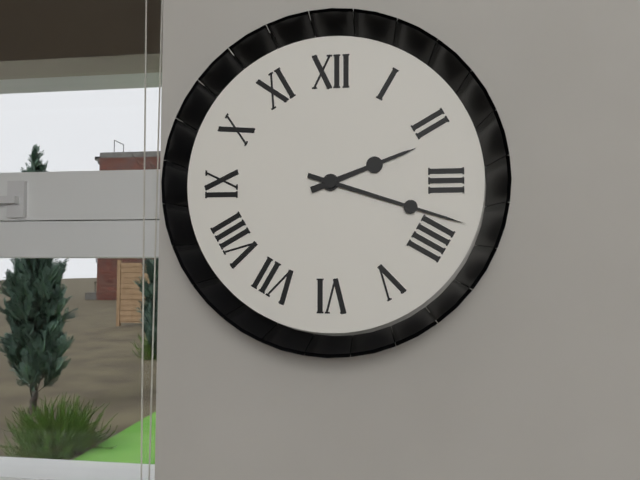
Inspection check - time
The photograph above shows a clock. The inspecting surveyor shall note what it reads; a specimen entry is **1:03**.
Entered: **2:18**
